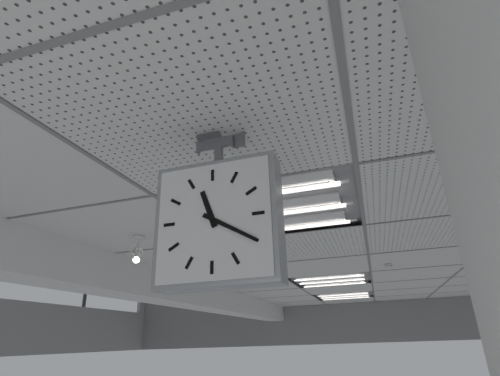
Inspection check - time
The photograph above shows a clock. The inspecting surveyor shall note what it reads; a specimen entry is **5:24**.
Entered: **11:20**
